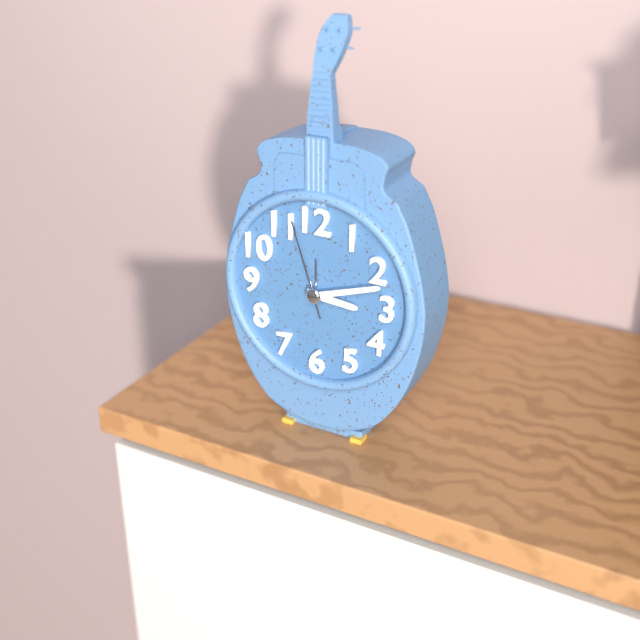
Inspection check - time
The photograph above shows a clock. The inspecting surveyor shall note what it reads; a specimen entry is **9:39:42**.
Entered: **3:12:57**
